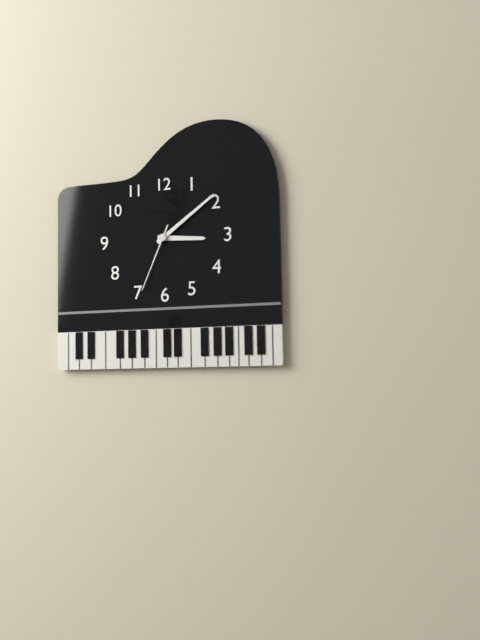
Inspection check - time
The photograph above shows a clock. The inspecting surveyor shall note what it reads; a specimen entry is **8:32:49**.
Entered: **3:09:34**
